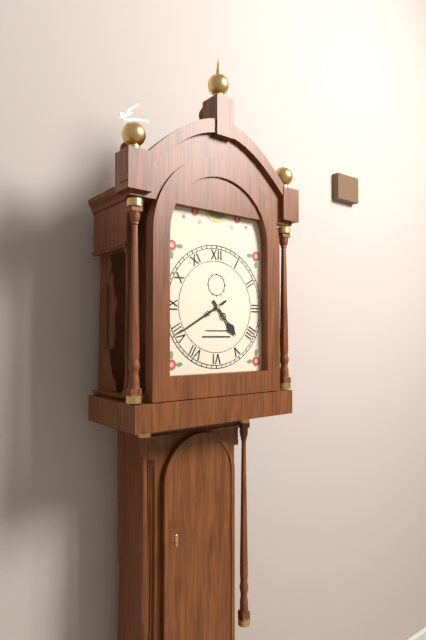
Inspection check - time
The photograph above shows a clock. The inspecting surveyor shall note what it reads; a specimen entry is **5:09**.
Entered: **4:40**
